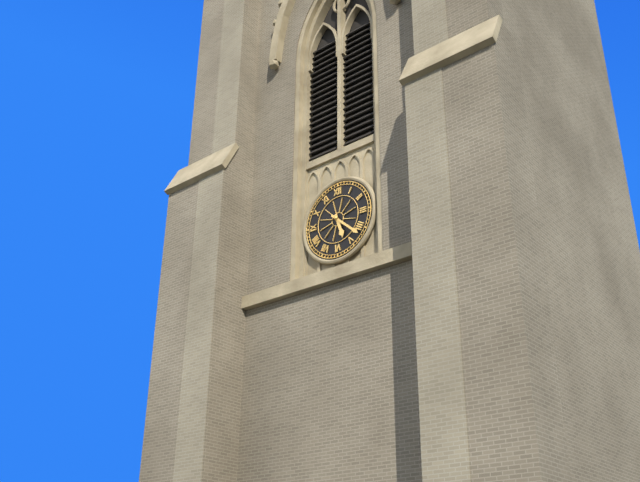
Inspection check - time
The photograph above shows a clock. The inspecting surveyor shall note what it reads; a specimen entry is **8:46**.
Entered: **5:22**
